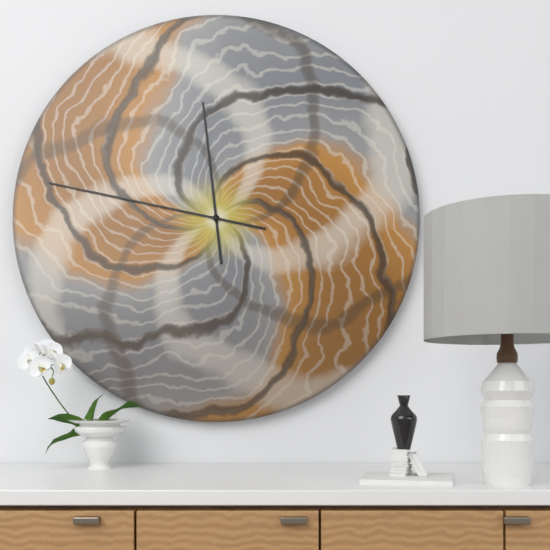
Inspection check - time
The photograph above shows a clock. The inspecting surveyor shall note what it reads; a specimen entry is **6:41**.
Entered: **11:47**
